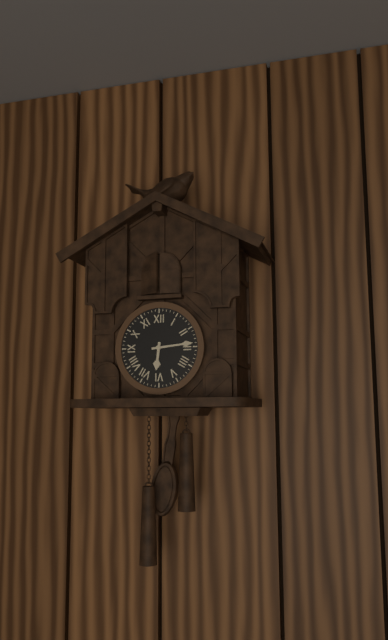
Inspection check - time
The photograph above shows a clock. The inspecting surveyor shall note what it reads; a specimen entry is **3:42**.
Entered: **6:14**
